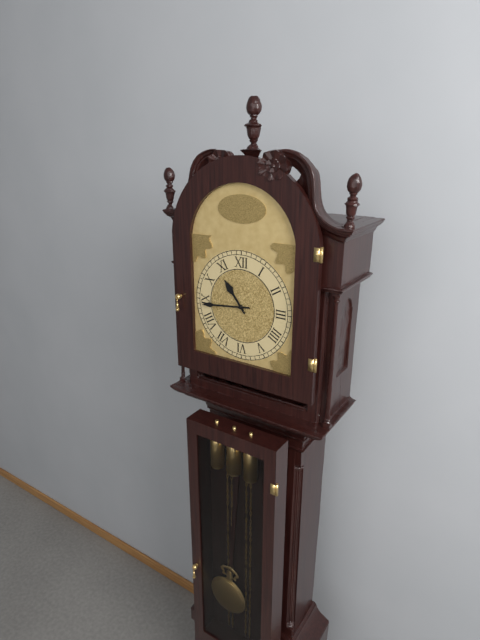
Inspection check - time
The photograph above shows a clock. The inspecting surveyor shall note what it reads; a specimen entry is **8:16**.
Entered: **10:44**
